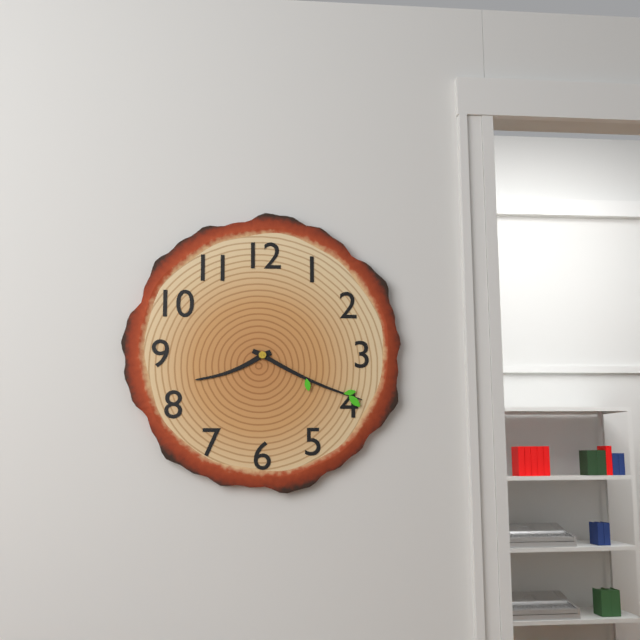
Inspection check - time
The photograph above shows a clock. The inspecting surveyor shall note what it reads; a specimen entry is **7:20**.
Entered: **8:19**
